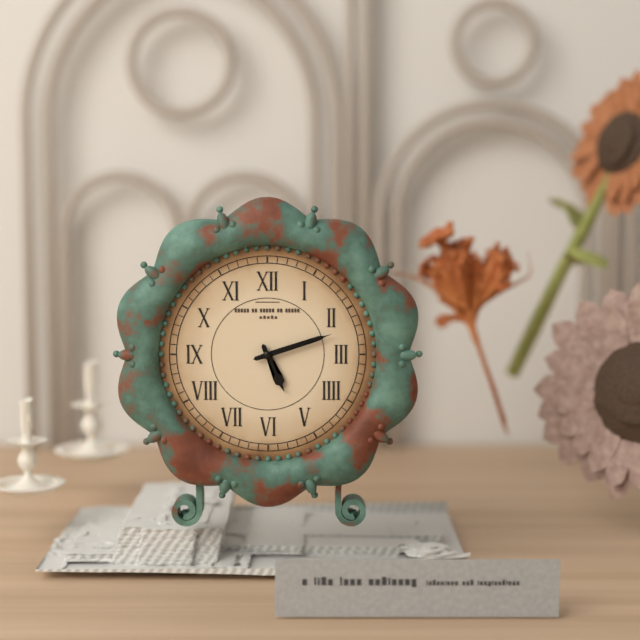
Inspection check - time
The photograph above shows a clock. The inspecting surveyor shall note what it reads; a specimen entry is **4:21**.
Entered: **5:12**
